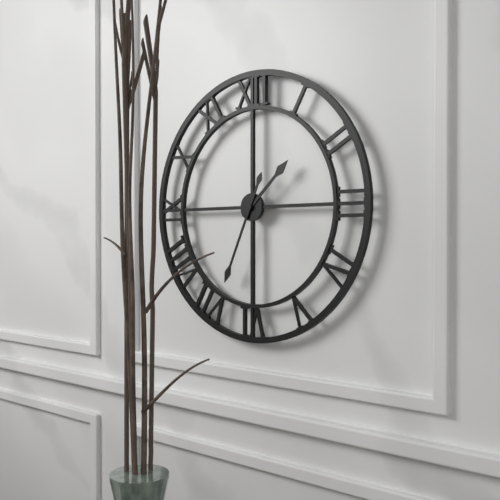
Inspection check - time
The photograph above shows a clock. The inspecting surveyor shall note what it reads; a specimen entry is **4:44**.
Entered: **1:34**
